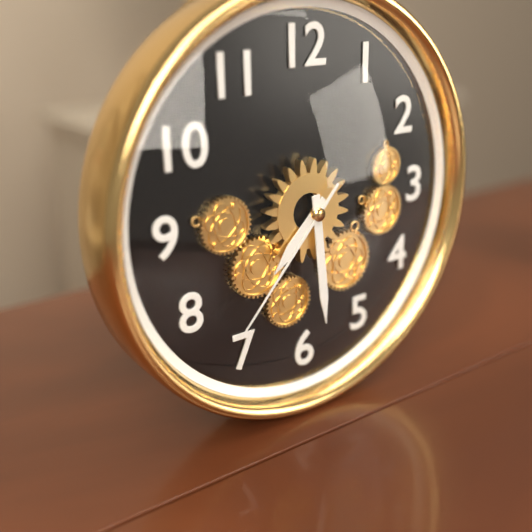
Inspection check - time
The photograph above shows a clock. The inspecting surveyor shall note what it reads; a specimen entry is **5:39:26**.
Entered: **7:29:37**
